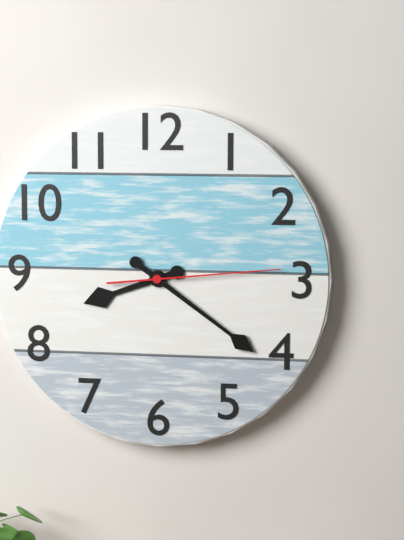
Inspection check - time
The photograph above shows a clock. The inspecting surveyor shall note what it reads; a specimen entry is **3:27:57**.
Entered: **8:21:14**
